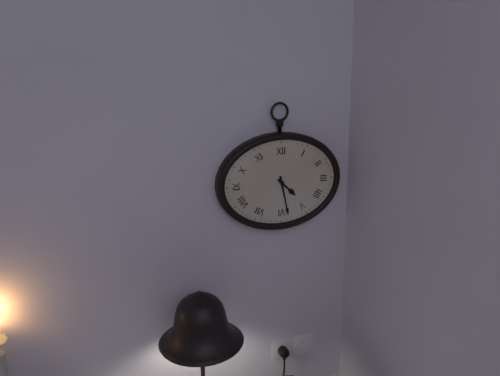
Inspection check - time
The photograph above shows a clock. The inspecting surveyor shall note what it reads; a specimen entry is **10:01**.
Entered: **4:28**
